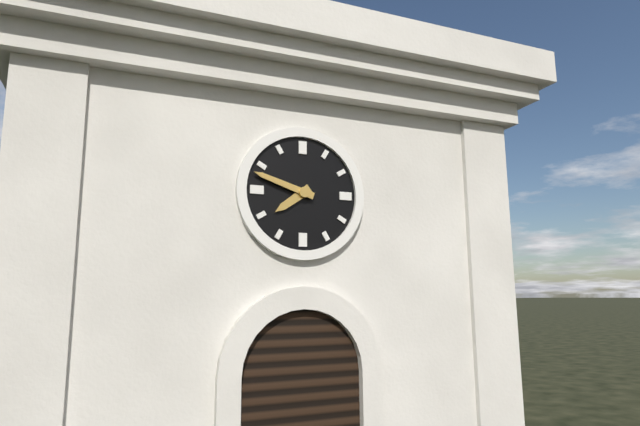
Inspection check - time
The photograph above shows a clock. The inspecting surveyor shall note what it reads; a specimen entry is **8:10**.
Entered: **7:48**
